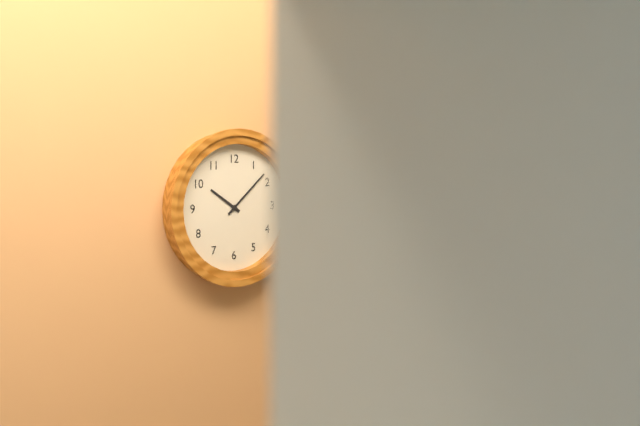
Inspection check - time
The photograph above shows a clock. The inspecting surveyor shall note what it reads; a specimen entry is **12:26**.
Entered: **10:08**
